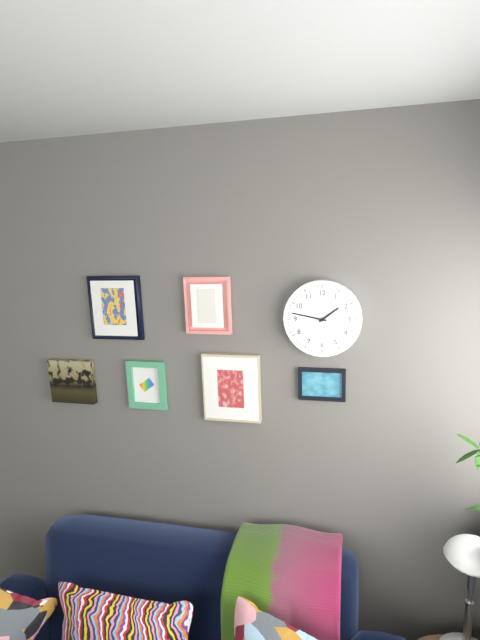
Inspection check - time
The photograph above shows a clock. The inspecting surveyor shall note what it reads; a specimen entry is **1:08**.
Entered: **1:47**
